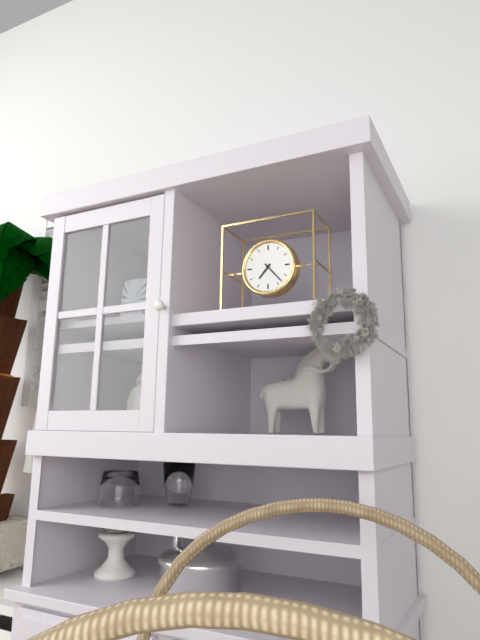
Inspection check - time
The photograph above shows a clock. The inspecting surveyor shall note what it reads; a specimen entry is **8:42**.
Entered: **7:23**
